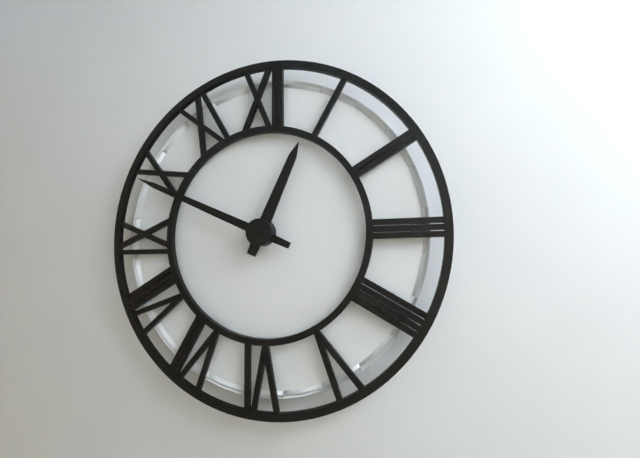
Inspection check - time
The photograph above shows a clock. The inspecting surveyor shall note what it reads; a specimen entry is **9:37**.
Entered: **12:49**
